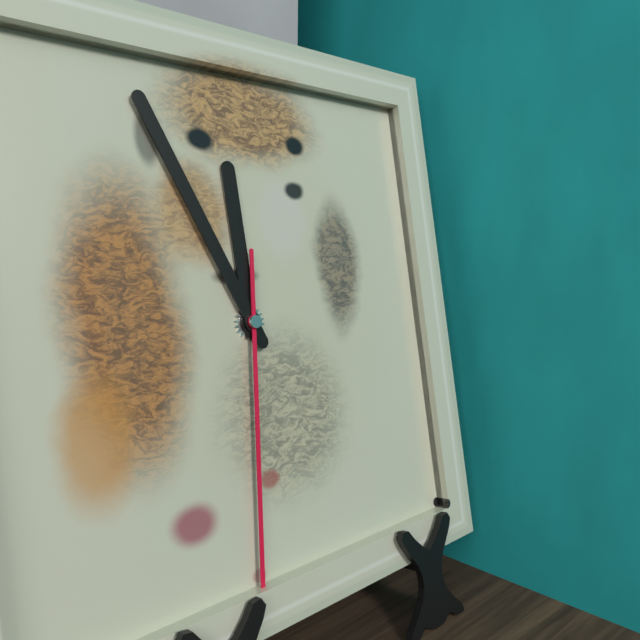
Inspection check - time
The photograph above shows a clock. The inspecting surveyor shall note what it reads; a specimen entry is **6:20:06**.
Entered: **11:56:31**
